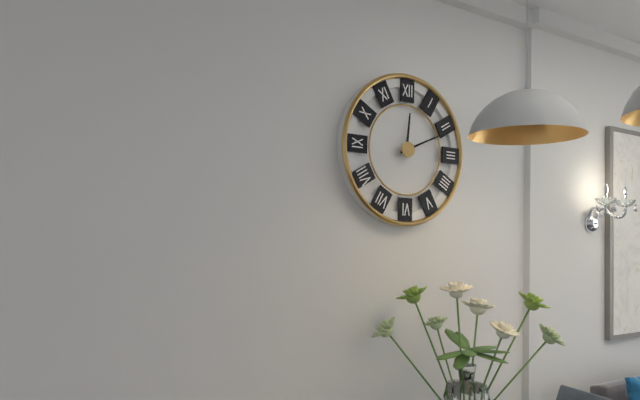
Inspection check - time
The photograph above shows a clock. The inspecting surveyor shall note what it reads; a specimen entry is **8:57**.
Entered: **12:11**
